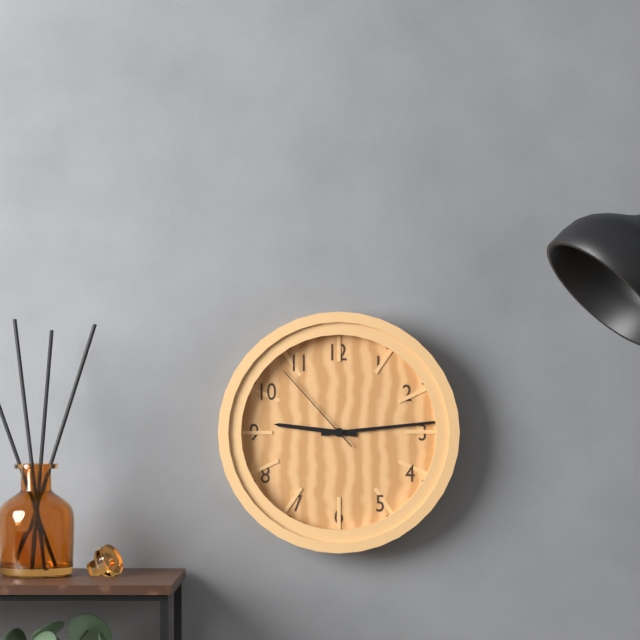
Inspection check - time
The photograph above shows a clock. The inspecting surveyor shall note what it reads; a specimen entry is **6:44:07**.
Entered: **9:14:53**
